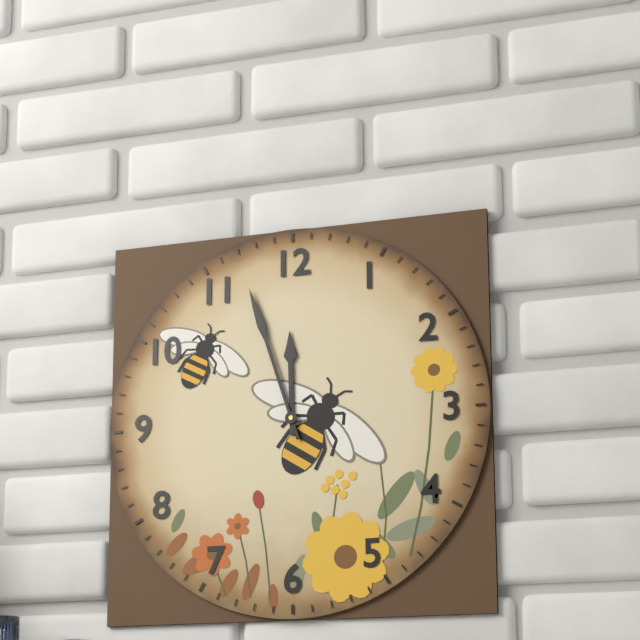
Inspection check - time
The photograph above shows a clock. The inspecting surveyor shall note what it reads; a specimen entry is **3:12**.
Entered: **11:57**
